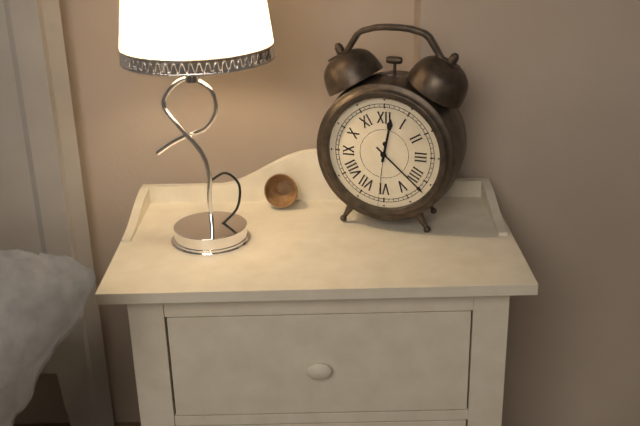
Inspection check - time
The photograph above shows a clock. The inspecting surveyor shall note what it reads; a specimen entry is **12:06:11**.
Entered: **12:22:31**
